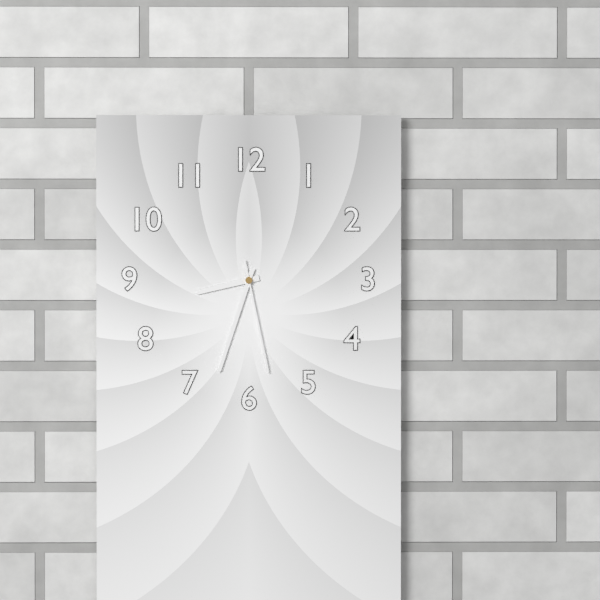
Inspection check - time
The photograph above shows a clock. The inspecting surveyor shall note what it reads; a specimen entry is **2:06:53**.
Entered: **8:33:28**
